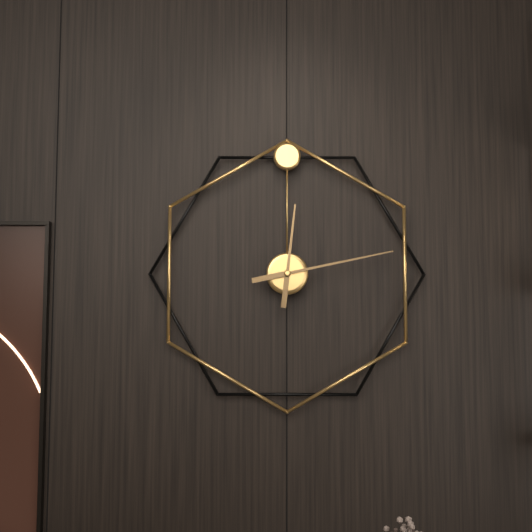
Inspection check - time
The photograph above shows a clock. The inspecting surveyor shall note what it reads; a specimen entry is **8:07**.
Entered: **12:13**
